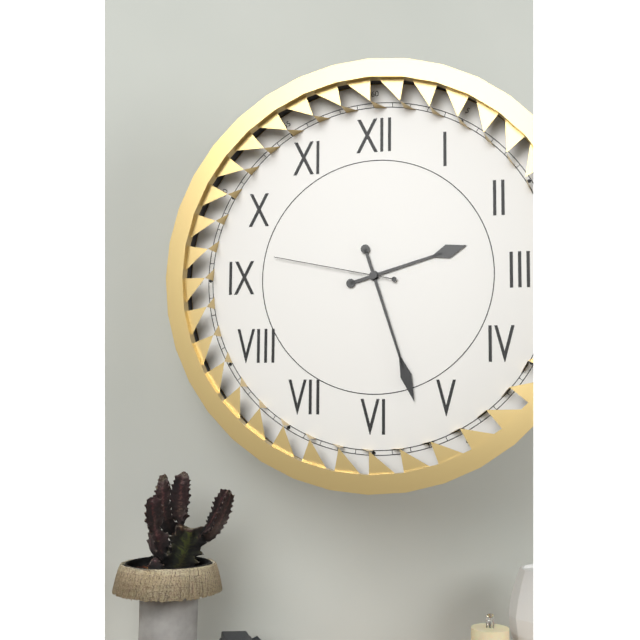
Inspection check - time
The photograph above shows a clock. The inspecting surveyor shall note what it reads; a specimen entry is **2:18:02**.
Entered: **2:27:47**
